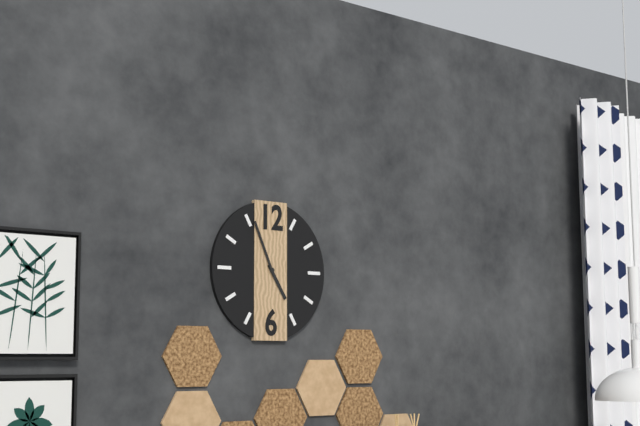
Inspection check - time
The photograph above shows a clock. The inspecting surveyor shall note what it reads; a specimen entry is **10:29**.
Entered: **4:56**
